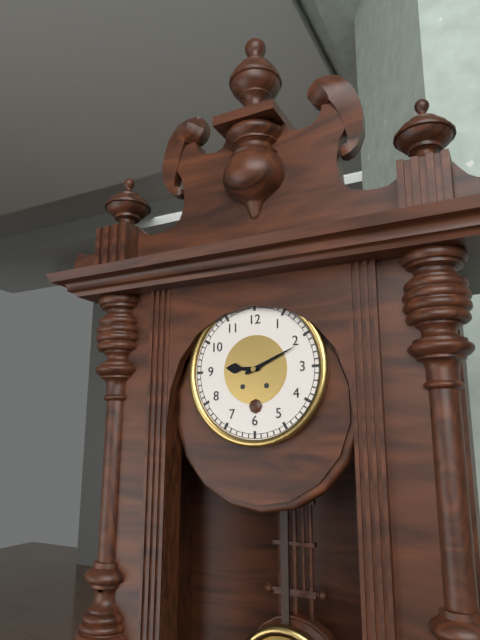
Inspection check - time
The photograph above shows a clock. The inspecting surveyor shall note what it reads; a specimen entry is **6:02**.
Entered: **9:11**
